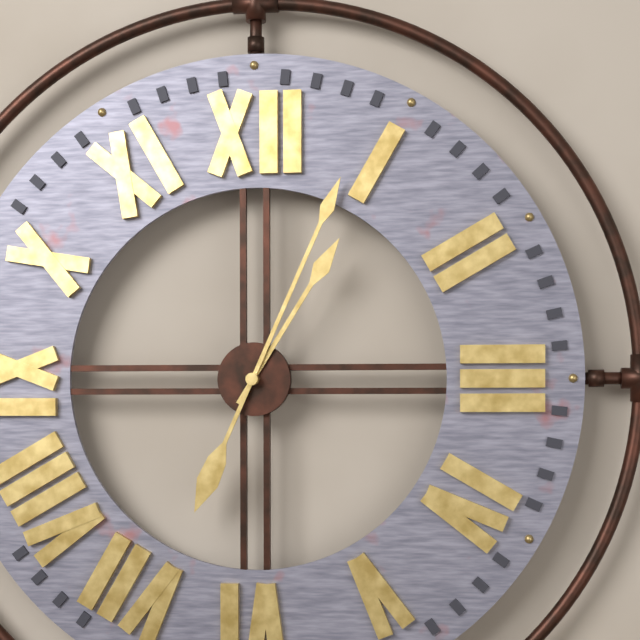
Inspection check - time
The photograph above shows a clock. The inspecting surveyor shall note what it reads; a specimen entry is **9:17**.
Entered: **1:04**
